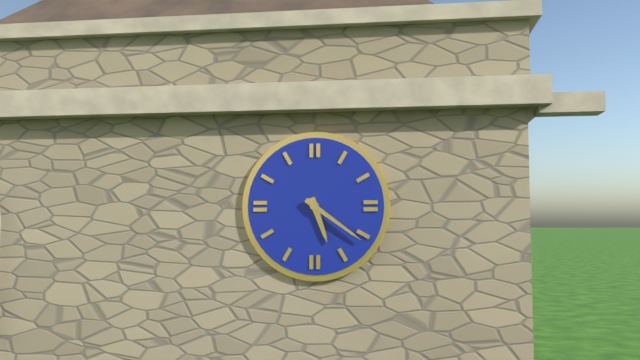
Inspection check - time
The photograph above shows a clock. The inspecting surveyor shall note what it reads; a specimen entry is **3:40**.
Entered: **5:21**
